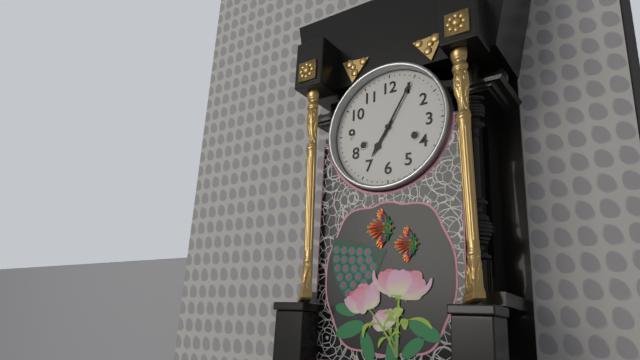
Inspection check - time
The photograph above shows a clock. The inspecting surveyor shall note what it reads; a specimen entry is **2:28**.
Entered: **7:05**
